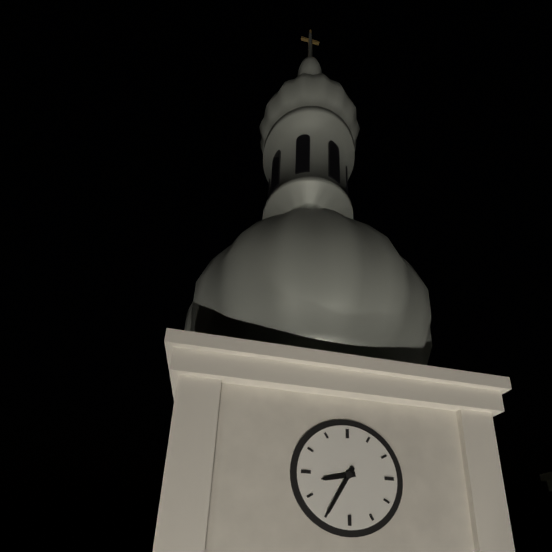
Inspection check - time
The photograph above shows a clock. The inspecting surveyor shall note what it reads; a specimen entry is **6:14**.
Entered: **8:35**
